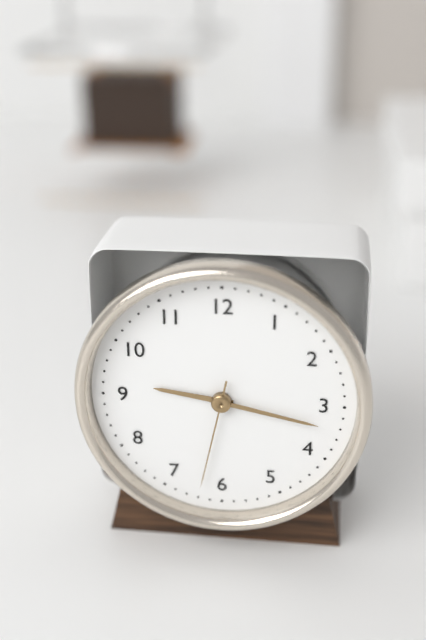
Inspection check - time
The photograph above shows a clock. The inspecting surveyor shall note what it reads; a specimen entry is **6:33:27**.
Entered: **9:17:32**
